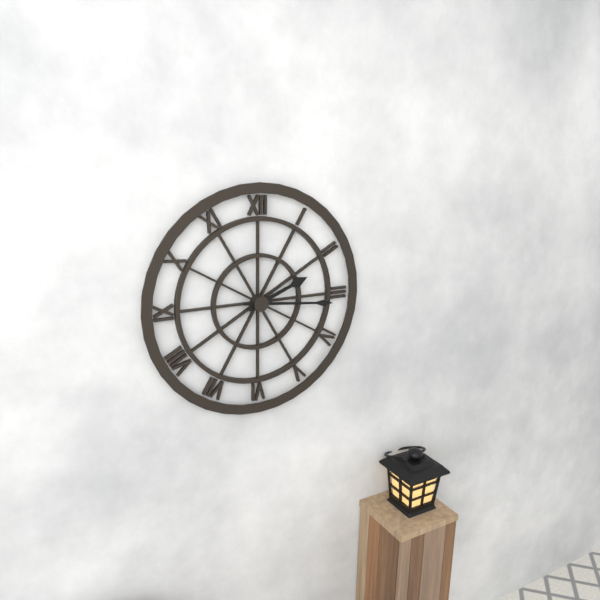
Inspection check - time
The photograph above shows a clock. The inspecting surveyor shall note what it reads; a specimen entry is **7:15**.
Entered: **2:16**
